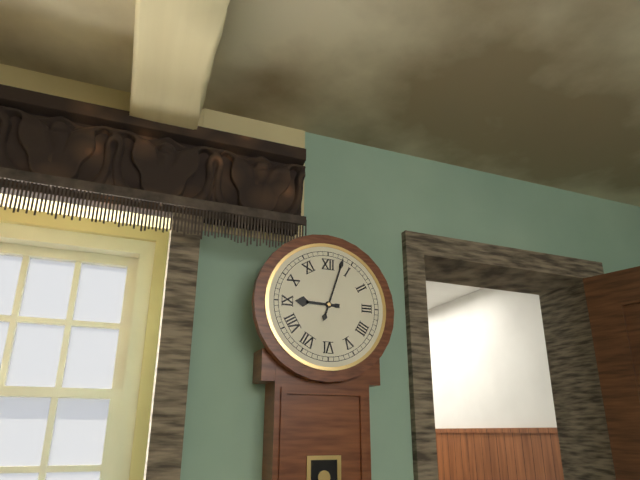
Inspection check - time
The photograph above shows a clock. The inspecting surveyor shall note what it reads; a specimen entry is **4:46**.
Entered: **9:03**
